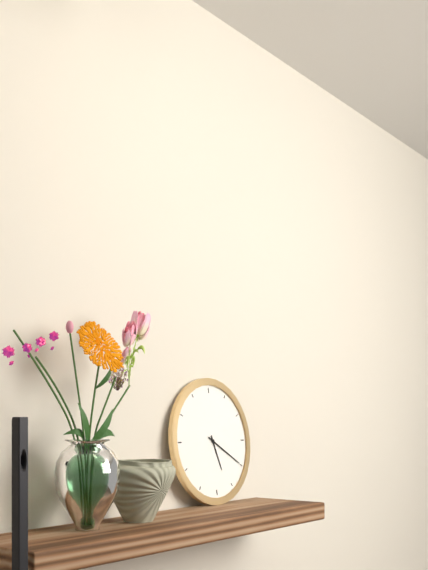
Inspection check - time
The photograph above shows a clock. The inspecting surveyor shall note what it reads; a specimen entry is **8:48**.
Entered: **5:20**
